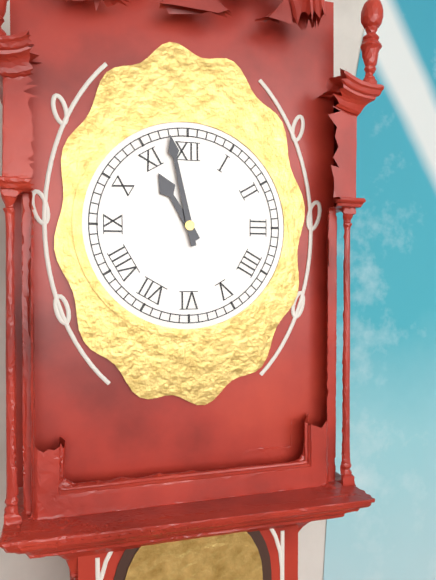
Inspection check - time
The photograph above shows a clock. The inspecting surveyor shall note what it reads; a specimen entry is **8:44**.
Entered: **10:58**
